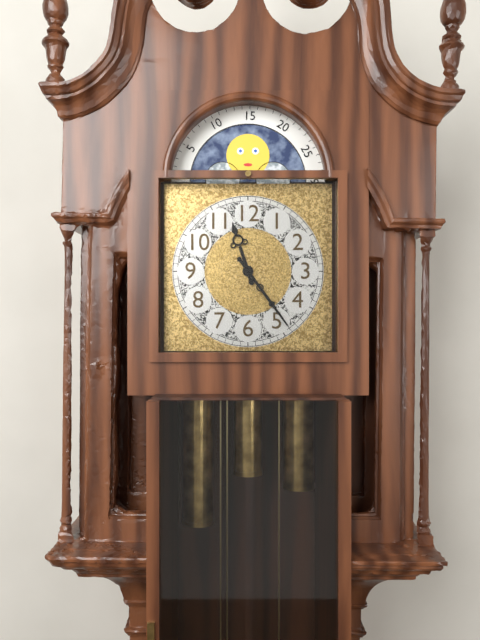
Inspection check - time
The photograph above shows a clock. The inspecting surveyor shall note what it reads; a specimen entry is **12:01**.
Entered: **11:24**
